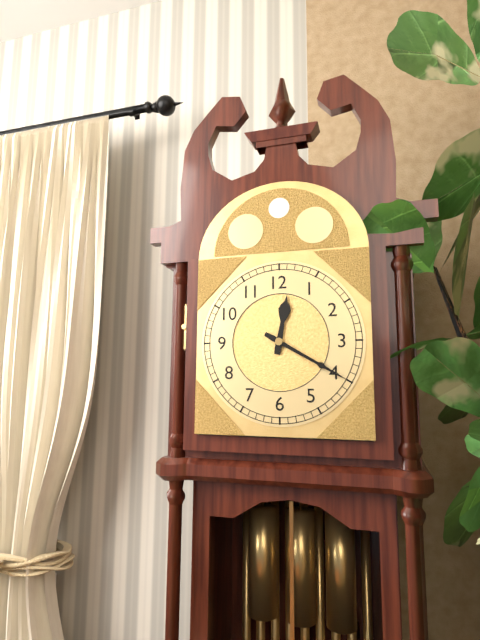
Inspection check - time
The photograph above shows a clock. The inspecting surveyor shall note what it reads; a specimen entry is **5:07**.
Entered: **12:20**
